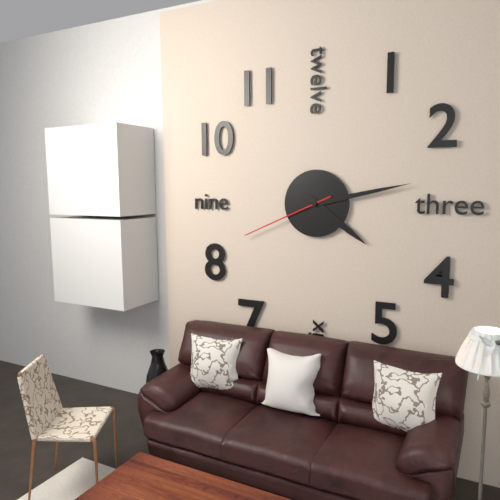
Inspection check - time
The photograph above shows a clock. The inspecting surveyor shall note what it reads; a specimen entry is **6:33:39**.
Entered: **4:13:41**
